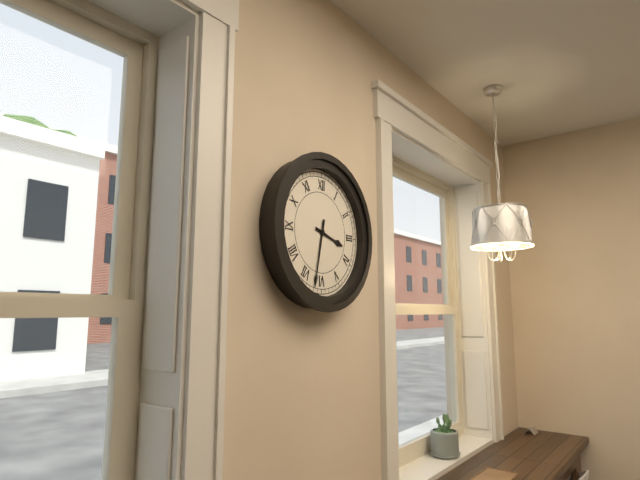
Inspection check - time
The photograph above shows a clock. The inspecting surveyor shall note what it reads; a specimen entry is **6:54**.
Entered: **3:32**
